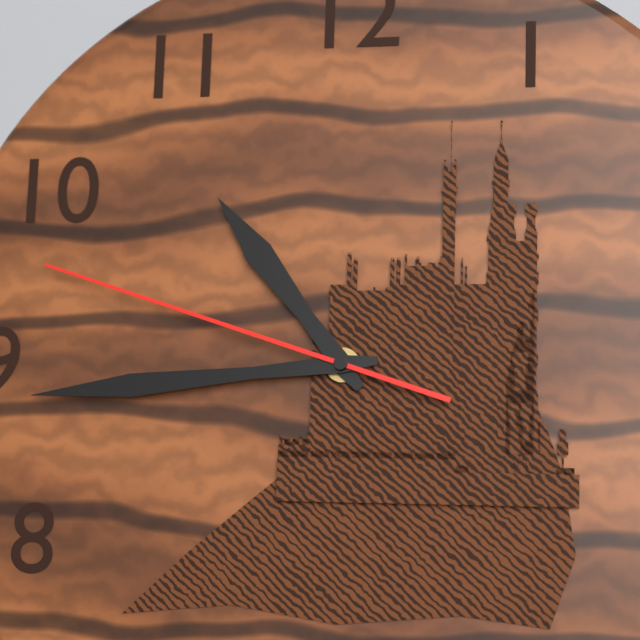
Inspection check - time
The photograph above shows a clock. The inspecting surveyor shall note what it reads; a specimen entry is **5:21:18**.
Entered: **10:44:48**
